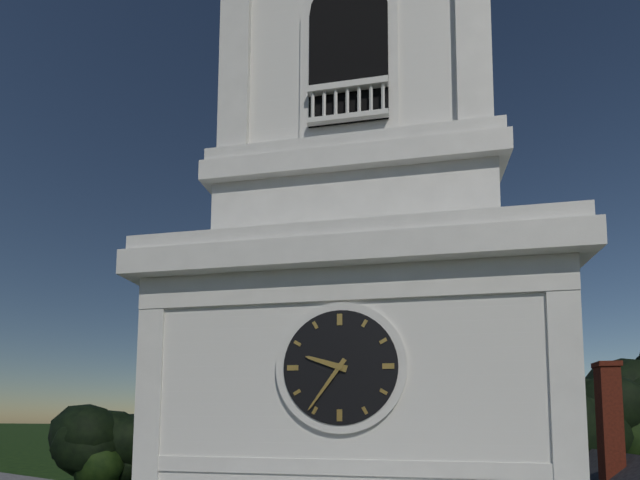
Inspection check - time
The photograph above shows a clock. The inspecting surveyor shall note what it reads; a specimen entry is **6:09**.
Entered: **9:36**
